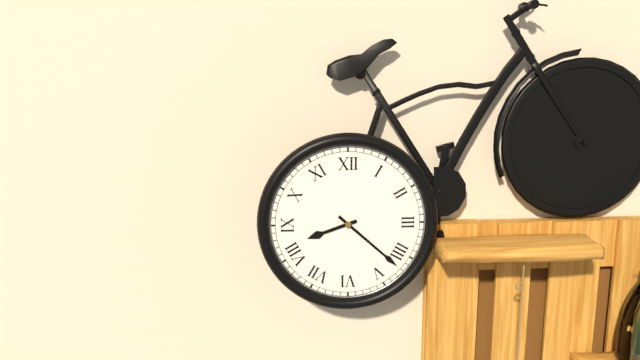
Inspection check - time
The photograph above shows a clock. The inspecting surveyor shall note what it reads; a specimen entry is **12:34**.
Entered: **8:22**
